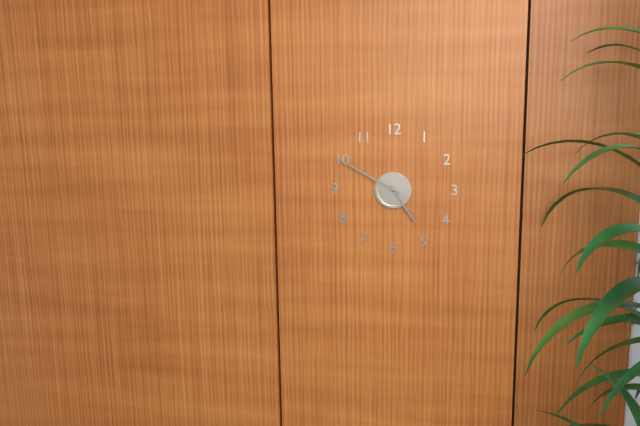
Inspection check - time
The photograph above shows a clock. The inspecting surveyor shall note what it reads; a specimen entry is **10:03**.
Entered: **4:50**
